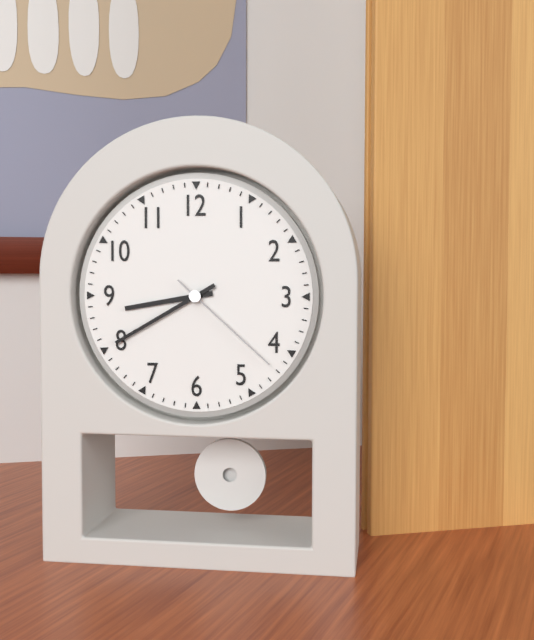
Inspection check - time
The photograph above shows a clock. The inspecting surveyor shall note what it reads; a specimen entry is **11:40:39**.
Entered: **8:40:22**
